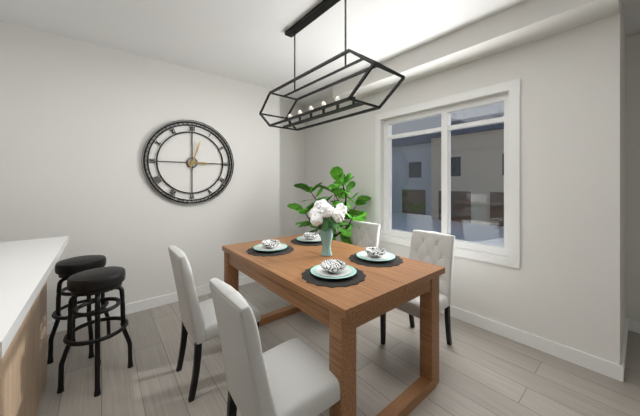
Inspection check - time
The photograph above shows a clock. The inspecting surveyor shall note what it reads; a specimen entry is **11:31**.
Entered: **3:03**
